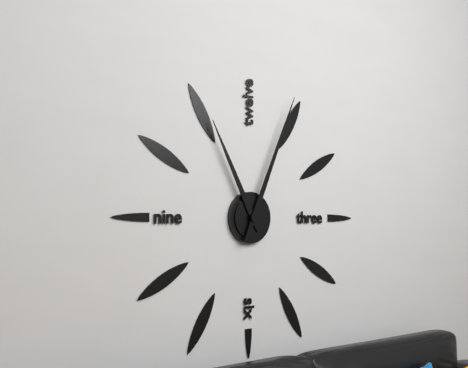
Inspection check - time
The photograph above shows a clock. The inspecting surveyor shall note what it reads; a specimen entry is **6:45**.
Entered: **11:04**
